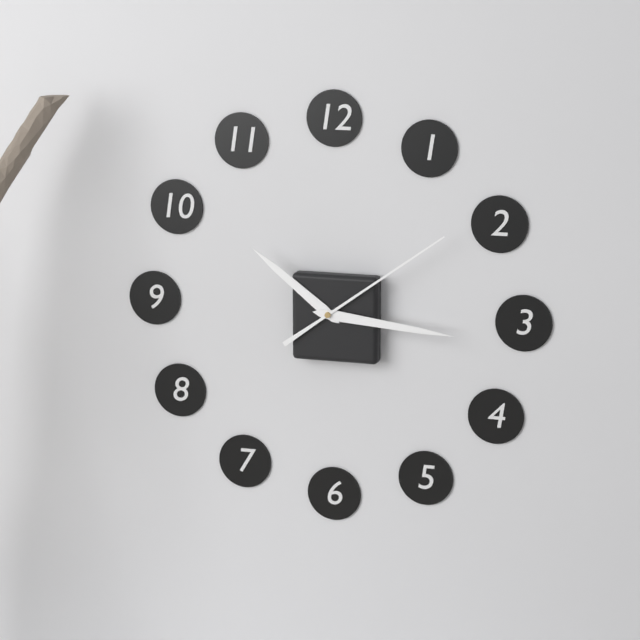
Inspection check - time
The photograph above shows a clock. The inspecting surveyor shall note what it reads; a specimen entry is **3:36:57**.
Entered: **10:16:09**
